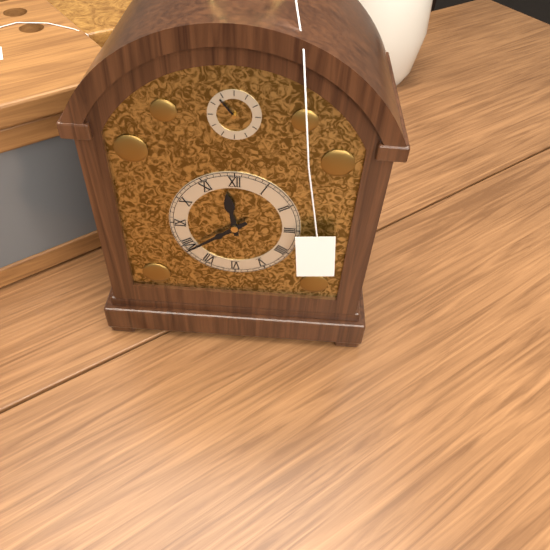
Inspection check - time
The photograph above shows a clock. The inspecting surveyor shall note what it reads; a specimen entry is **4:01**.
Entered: **11:39**
